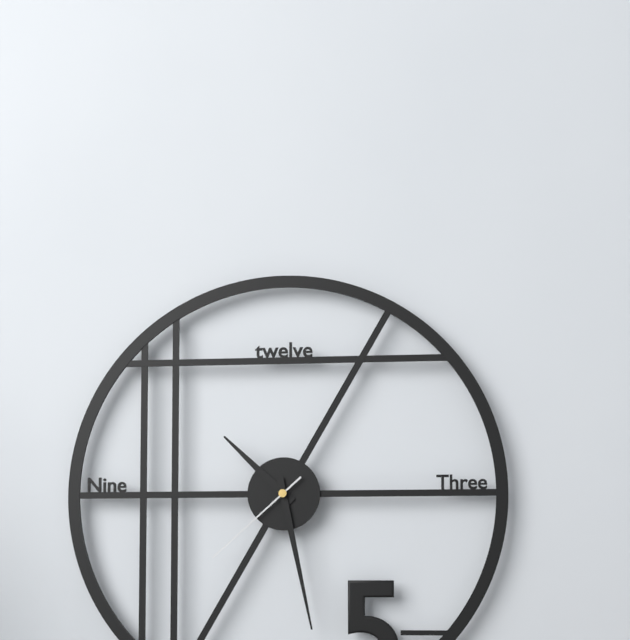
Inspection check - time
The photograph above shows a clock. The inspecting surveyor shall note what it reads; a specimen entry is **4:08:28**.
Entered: **10:28:38**
